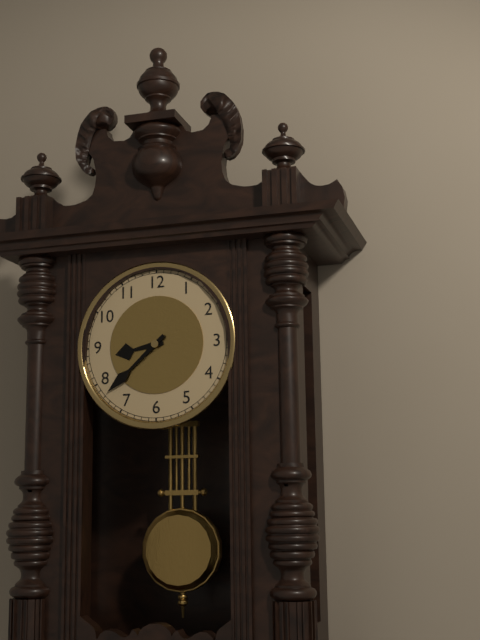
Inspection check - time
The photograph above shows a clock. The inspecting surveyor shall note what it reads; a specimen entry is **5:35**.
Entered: **8:38**
